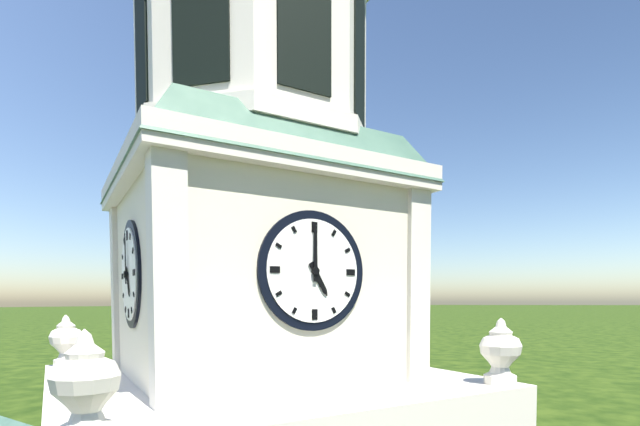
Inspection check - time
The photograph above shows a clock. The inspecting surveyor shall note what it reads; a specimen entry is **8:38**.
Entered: **5:00**
